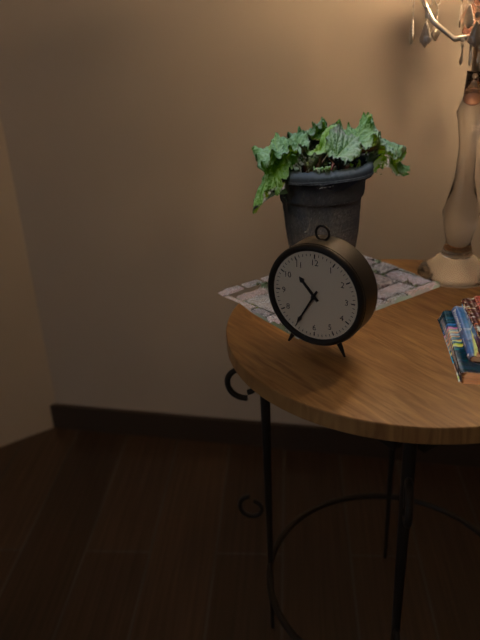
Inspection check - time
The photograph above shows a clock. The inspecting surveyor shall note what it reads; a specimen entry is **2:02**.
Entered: **10:35**
